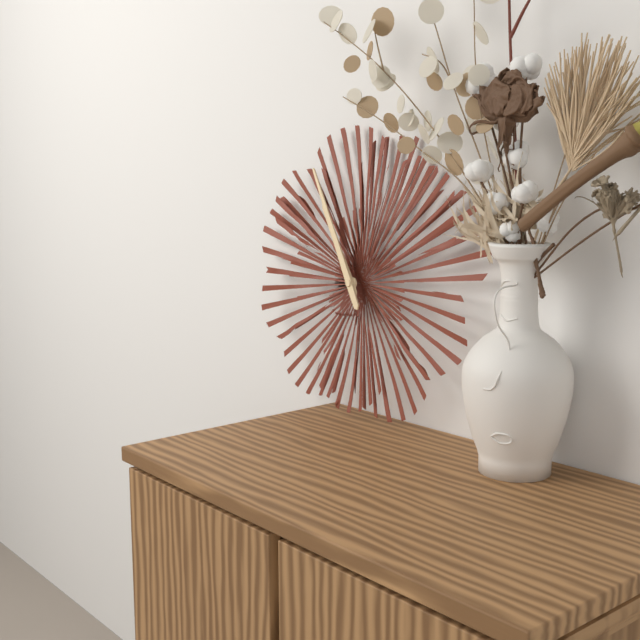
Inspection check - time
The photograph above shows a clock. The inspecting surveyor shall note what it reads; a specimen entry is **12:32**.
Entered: **10:55**
